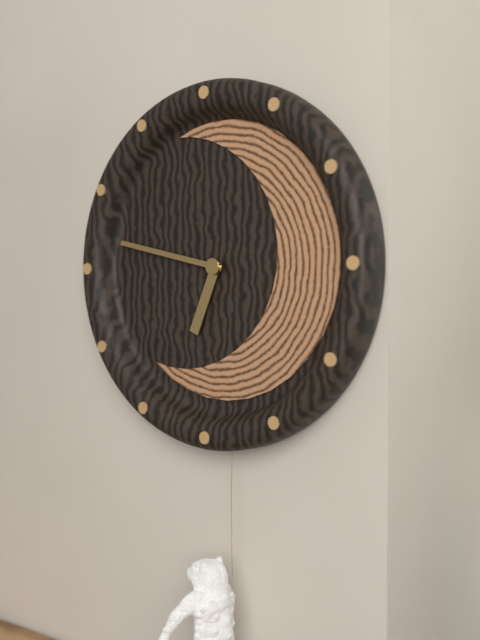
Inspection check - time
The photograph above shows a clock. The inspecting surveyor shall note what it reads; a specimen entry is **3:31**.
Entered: **6:47**
